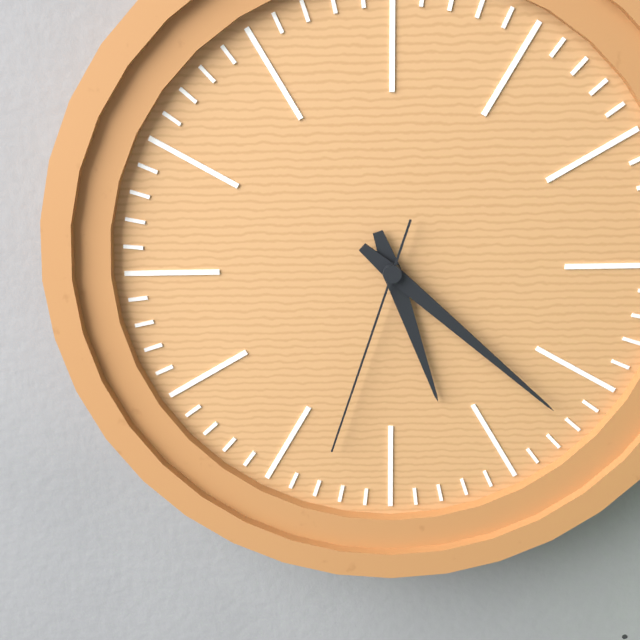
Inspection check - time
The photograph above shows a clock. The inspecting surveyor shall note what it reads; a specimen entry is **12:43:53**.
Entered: **5:22:33**
